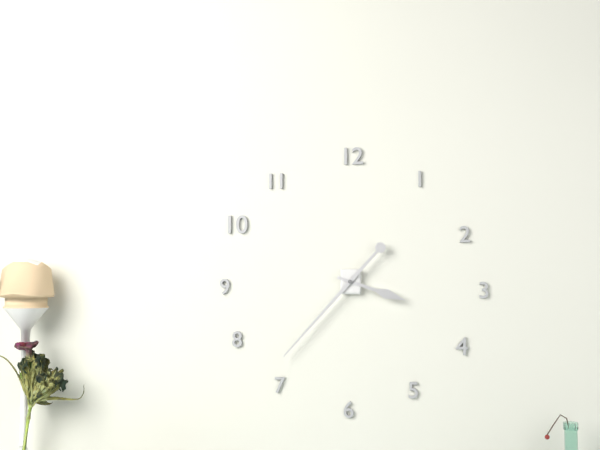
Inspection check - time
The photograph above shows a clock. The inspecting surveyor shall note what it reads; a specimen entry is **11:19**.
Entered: **3:37**
